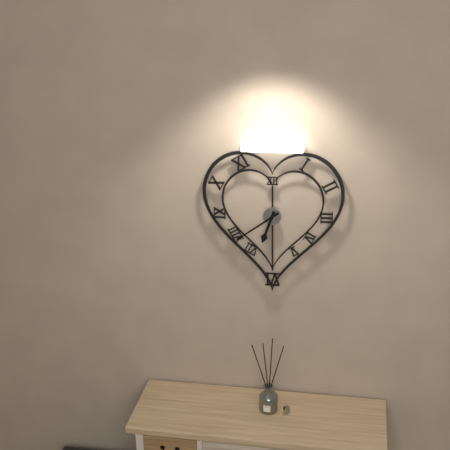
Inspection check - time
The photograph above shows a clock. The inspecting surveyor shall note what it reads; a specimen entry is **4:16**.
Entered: **6:39**
